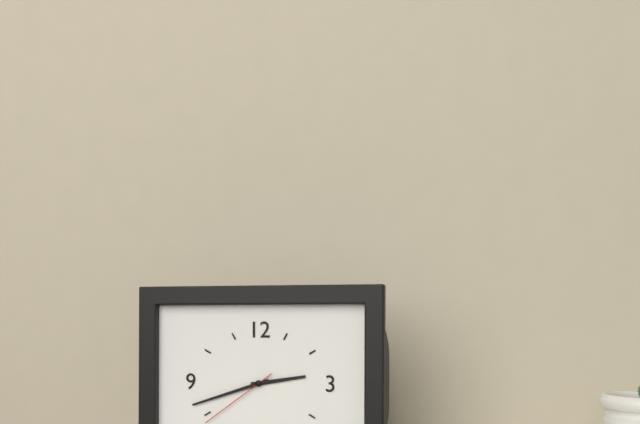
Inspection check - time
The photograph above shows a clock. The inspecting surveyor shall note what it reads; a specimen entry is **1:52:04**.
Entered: **2:42:39**
